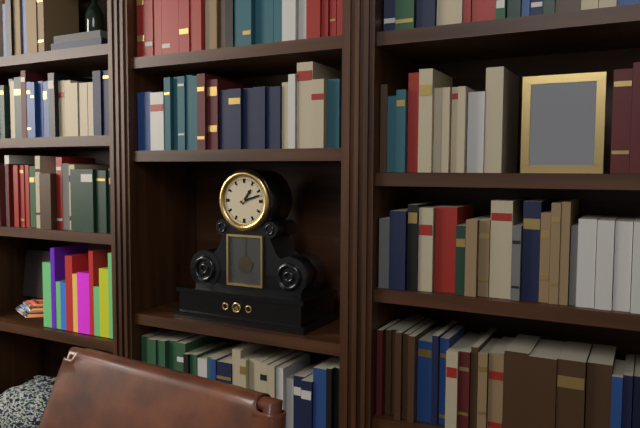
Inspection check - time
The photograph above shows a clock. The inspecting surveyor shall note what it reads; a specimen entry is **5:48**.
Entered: **1:12**
